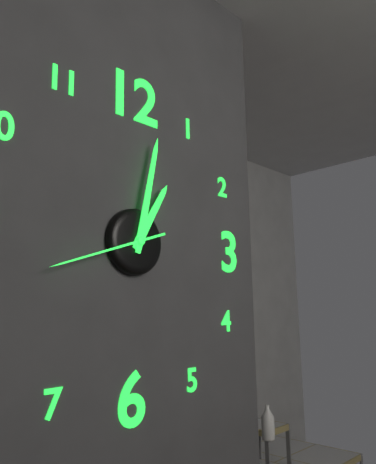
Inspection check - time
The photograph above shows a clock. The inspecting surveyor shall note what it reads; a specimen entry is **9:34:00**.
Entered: **1:02:42**
